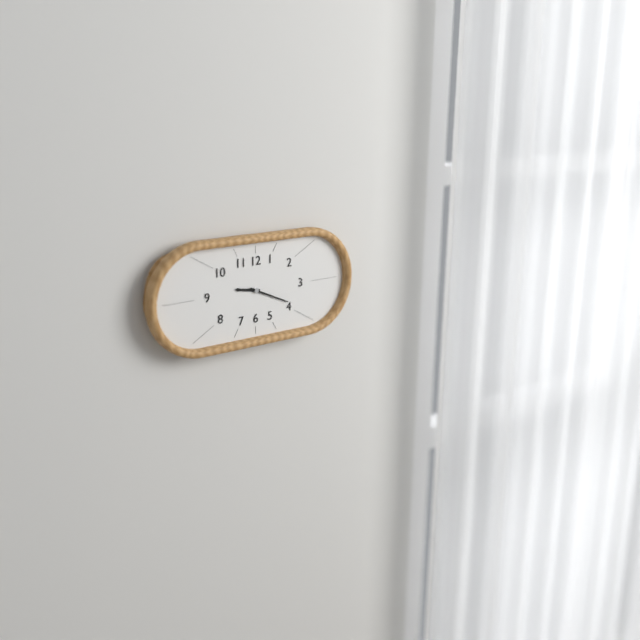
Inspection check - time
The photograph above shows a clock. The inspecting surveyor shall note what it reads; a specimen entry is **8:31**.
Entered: **9:19**
